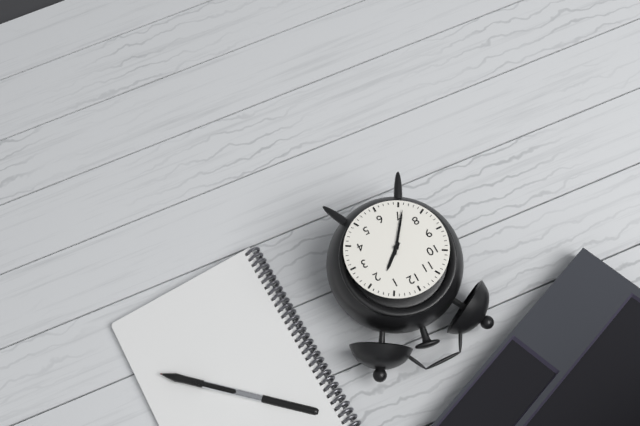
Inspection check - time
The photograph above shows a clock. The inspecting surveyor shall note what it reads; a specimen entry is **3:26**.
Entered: **1:36**
